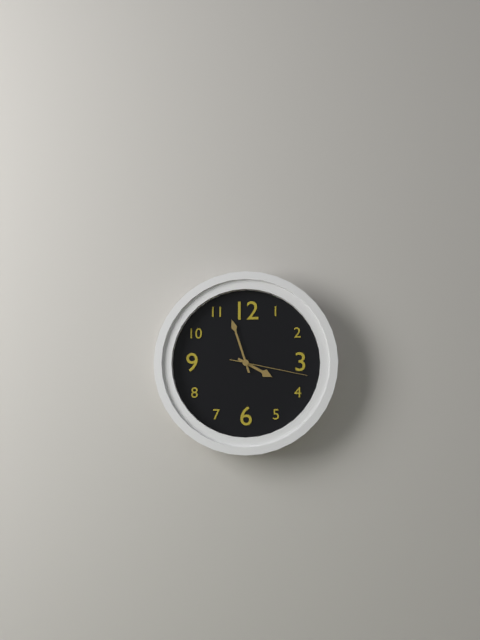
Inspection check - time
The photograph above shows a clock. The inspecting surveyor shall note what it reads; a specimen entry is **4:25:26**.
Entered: **3:57:17**
